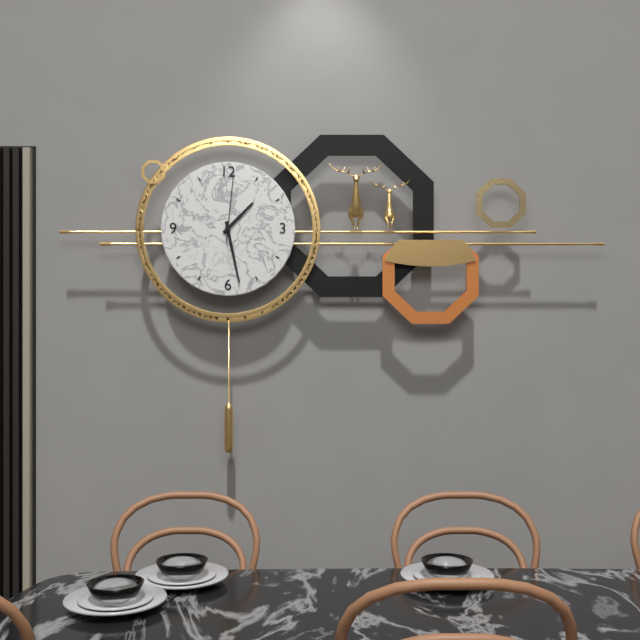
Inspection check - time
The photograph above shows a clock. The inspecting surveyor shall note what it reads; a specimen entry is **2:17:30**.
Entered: **1:28:01**
